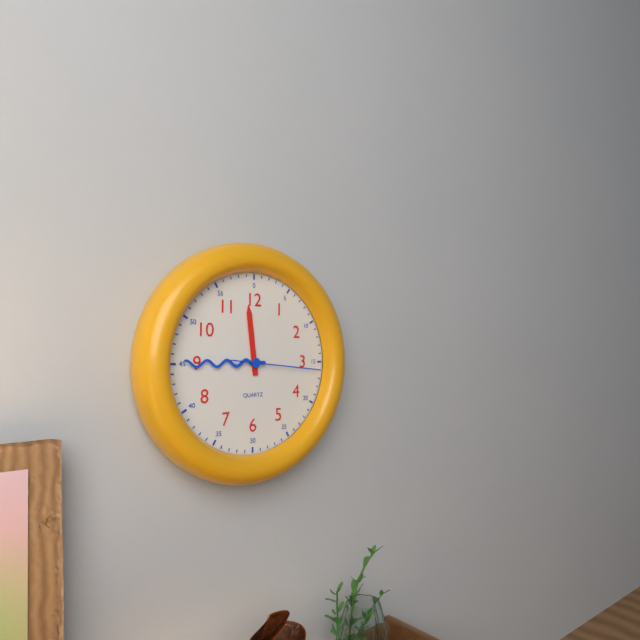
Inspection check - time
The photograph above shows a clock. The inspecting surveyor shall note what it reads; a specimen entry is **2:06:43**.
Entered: **11:45:16**
